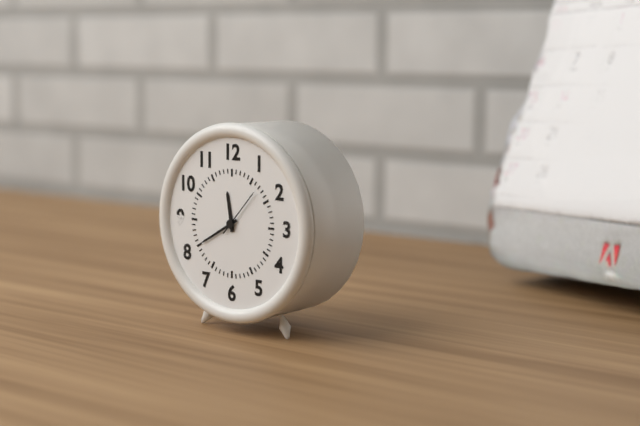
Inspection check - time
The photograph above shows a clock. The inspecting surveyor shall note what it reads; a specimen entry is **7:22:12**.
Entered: **11:40:07**
